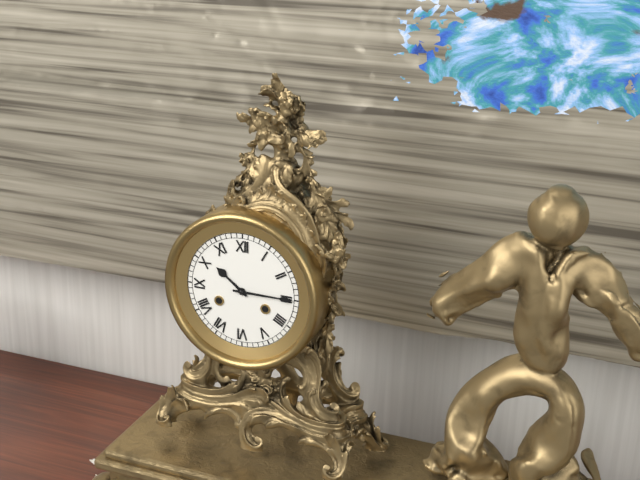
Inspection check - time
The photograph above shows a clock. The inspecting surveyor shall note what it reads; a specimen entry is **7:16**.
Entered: **10:15**
